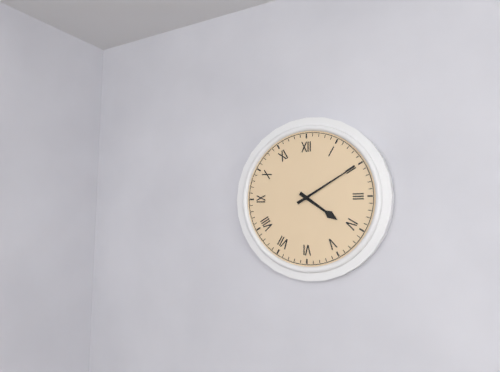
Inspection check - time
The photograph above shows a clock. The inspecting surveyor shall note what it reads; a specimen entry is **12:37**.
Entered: **4:10**
